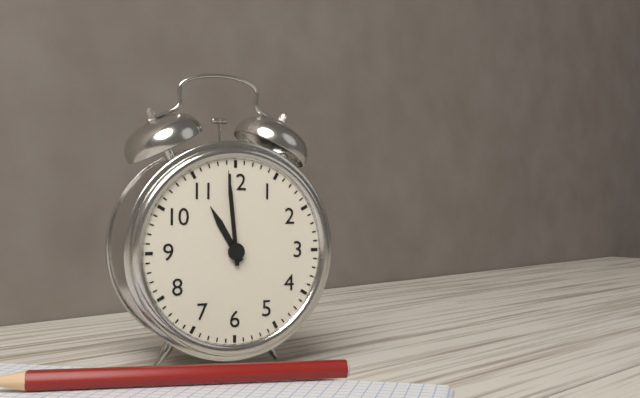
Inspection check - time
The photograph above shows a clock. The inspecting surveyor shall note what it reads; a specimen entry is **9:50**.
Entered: **10:59**
